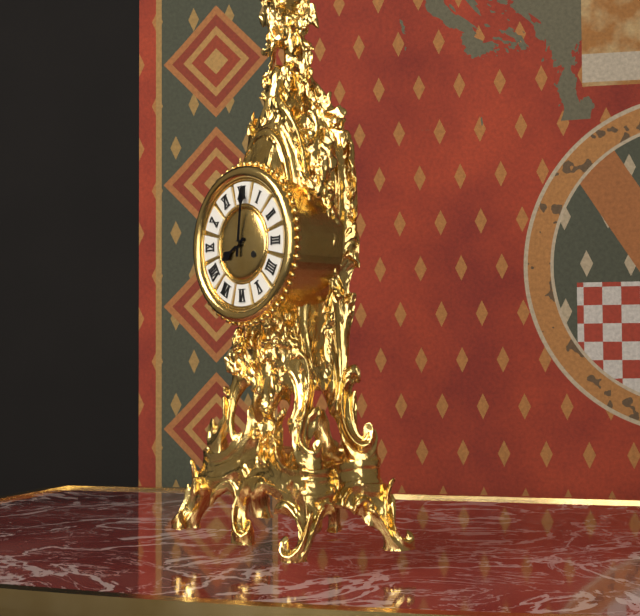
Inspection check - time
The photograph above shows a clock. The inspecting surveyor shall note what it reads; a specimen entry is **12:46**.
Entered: **8:01**
